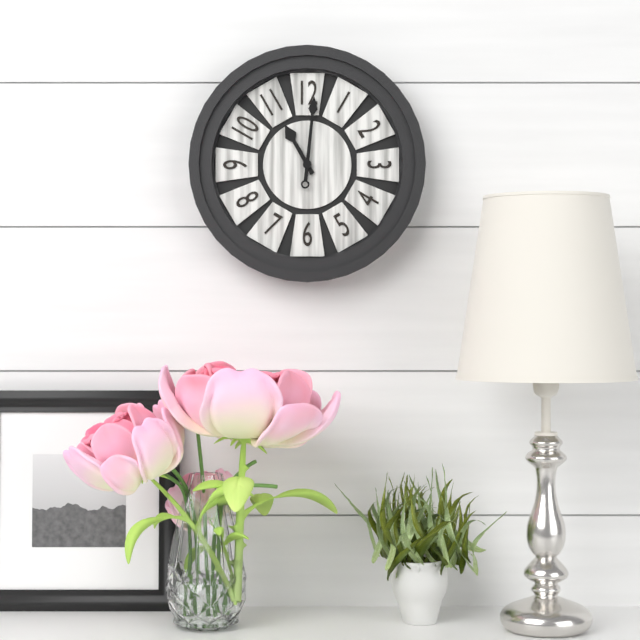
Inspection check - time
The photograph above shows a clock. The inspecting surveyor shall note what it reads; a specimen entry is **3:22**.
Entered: **11:01**
